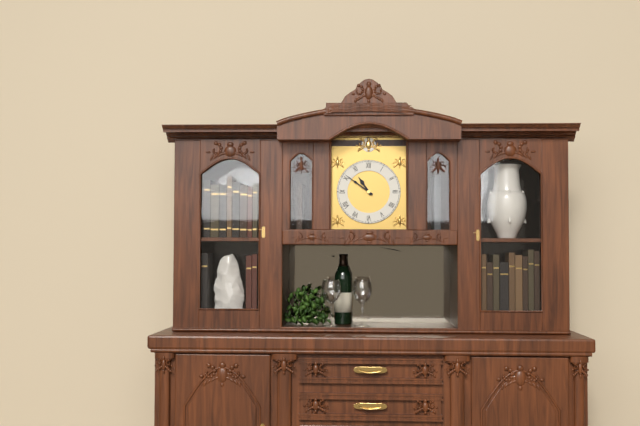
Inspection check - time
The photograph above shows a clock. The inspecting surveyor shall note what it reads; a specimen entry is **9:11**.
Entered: **10:51**
